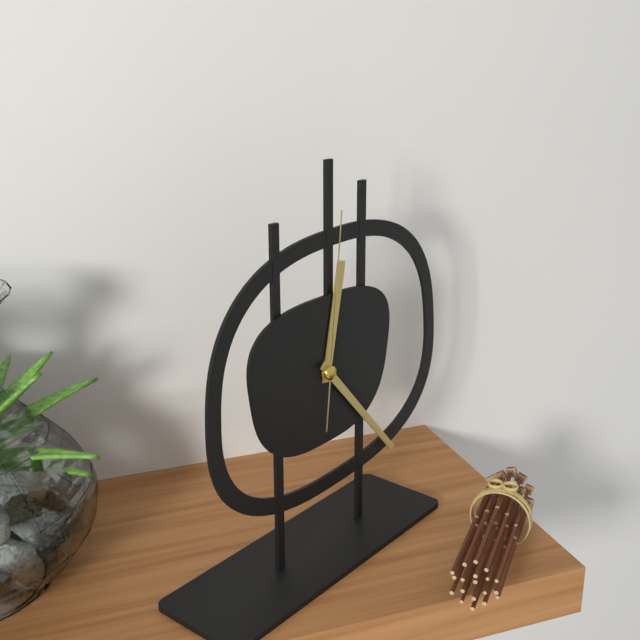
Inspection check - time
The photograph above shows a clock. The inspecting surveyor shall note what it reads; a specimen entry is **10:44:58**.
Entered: **12:23:01**
